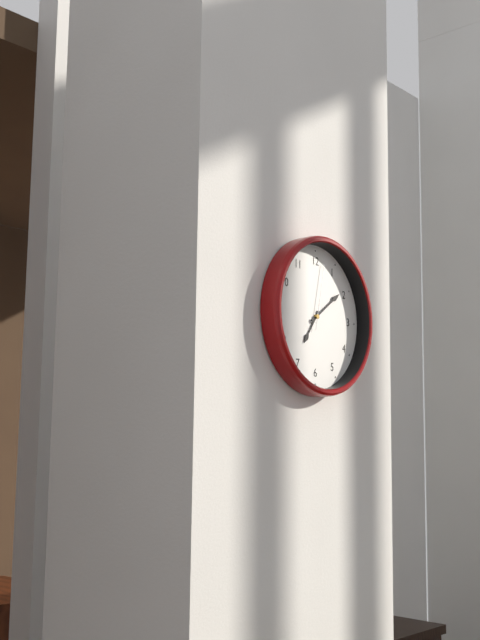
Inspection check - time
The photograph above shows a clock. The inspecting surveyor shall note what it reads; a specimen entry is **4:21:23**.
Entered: **7:09:02**
